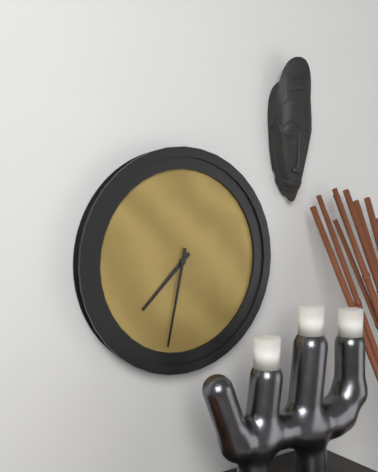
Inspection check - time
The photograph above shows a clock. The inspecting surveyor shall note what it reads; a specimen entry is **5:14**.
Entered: **7:32**
